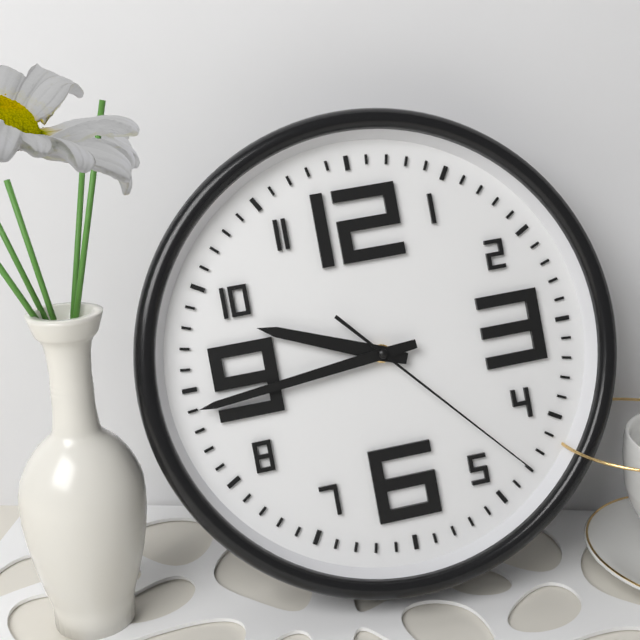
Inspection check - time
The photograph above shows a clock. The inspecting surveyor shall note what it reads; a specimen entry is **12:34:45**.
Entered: **9:44:23**
